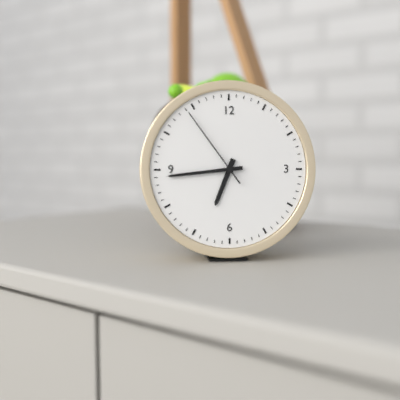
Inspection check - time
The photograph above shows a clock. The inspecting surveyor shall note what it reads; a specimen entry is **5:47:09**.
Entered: **6:44:54**
